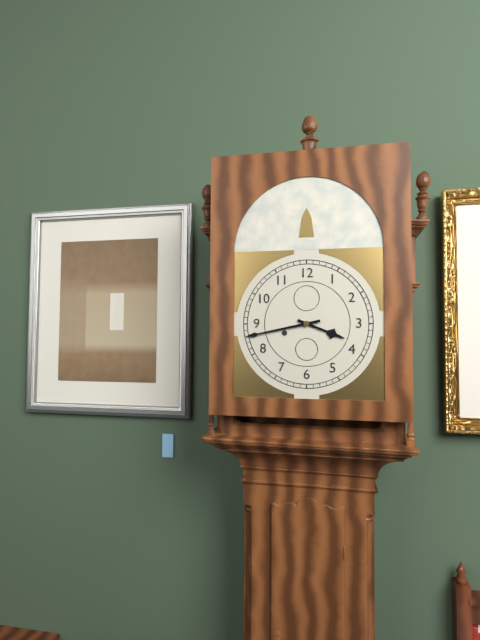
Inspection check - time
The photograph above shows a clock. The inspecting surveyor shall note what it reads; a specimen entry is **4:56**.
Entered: **3:43**
